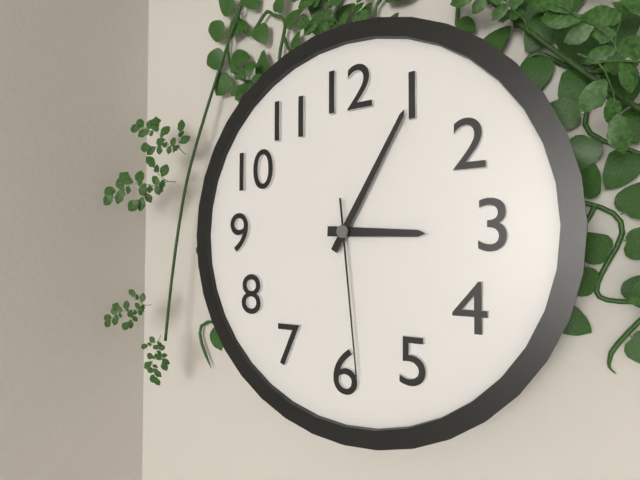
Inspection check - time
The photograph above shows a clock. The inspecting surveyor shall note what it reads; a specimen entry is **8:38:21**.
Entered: **3:05:29**
